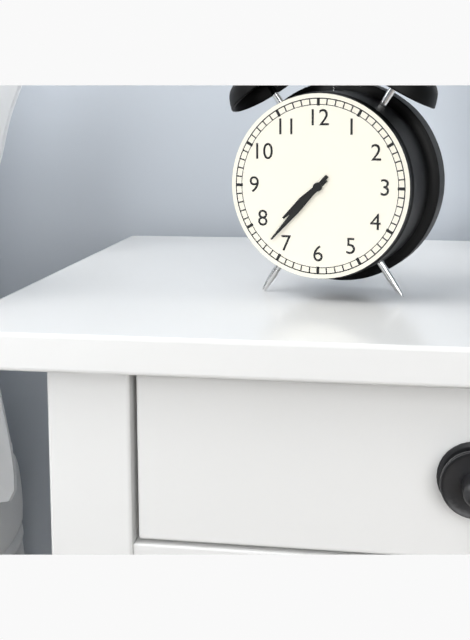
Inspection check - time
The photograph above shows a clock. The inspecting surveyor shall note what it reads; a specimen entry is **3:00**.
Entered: **7:37**
